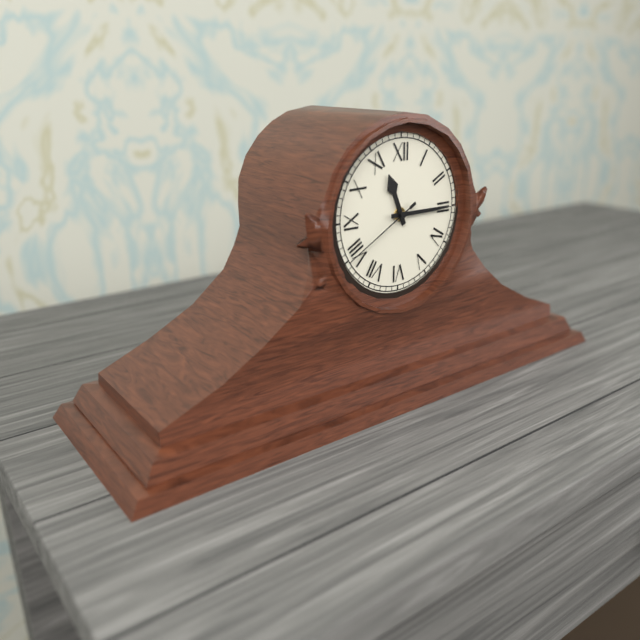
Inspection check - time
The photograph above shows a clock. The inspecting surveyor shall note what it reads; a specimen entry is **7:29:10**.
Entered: **11:15:40**
